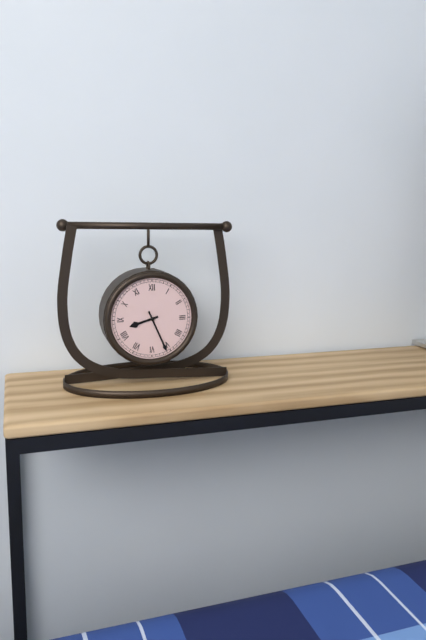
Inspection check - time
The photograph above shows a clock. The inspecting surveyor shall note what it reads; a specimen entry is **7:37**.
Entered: **8:26**
